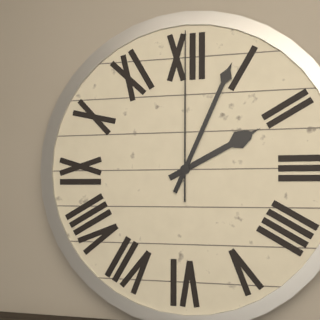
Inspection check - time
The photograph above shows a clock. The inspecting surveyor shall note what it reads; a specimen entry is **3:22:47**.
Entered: **2:04:00**
